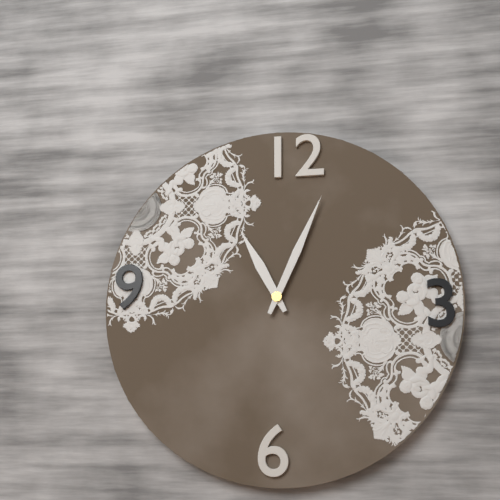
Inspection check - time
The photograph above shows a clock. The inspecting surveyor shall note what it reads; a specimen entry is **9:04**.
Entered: **11:04**
